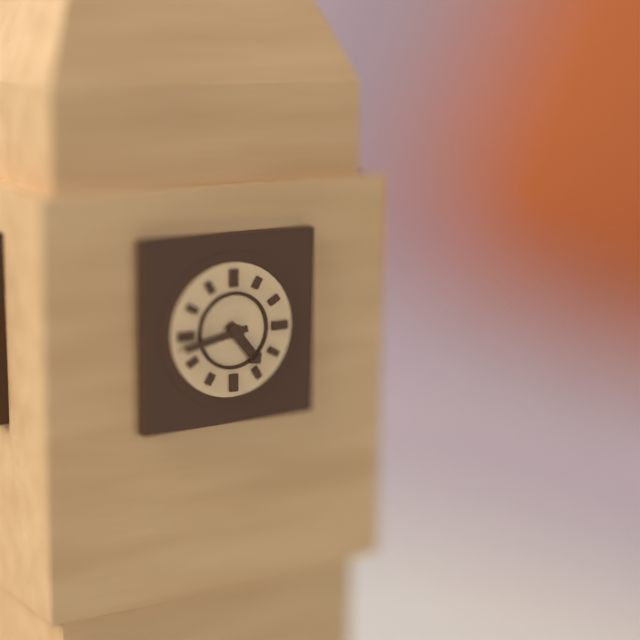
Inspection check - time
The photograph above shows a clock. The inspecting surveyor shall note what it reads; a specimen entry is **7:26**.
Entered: **4:43**
